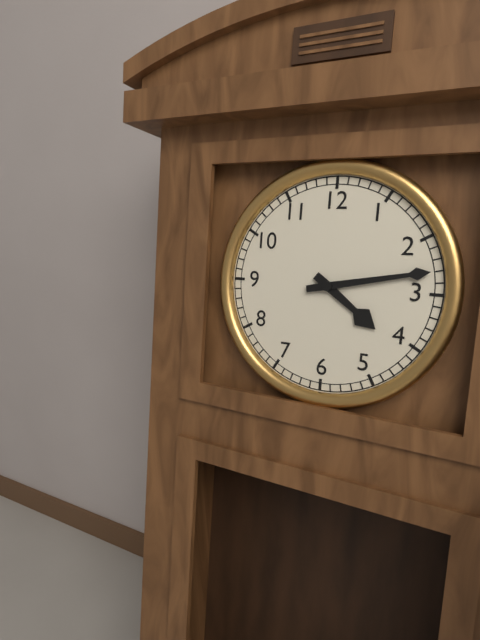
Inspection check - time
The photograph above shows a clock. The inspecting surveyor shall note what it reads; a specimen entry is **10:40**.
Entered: **4:13**
